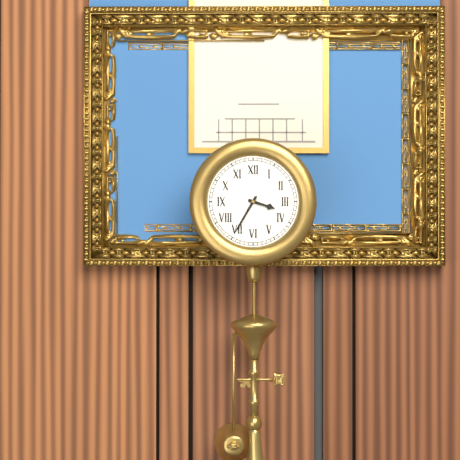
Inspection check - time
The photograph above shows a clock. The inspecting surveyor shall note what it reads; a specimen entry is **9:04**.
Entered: **3:35**
